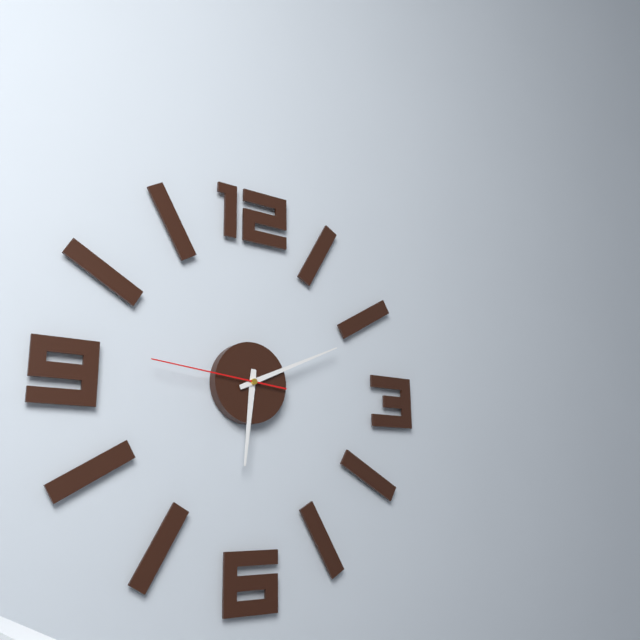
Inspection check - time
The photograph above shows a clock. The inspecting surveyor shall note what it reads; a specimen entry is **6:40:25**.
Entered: **6:11:46**
